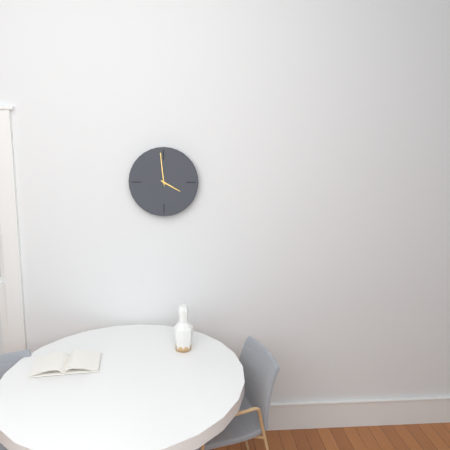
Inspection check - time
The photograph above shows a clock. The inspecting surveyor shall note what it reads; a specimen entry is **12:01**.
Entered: **3:59**
